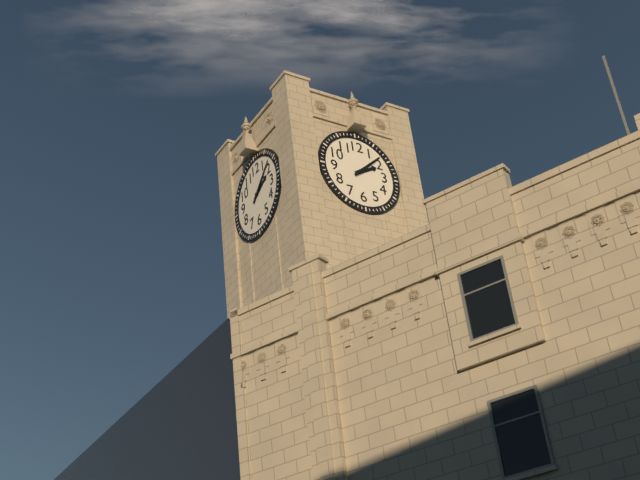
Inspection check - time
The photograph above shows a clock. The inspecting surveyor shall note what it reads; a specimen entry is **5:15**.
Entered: **2:08**
